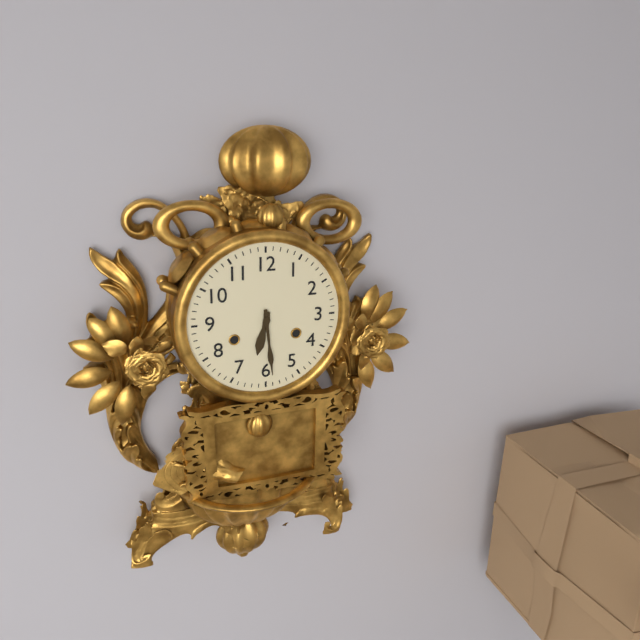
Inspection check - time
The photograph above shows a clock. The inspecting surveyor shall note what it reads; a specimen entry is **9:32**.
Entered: **6:29**
